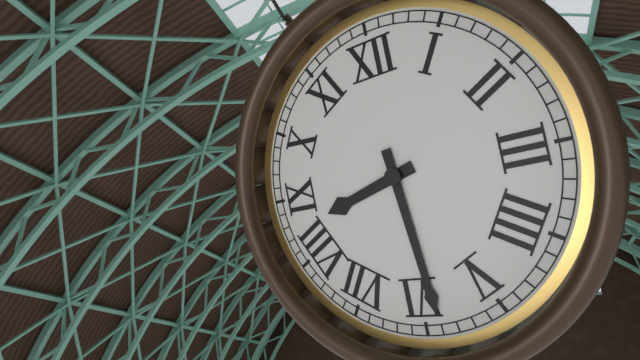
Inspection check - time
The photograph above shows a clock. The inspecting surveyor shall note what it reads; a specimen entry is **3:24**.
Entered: **8:29**
